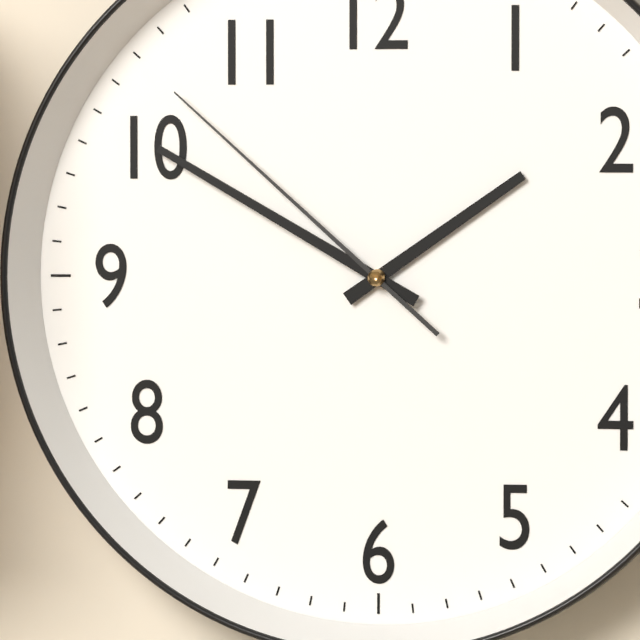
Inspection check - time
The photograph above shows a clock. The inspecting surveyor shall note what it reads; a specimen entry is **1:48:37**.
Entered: **1:50:52**
